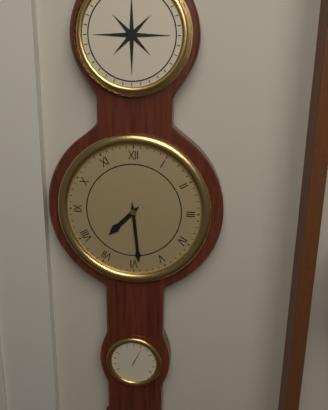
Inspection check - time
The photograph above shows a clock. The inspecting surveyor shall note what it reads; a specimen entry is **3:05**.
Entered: **7:29**
